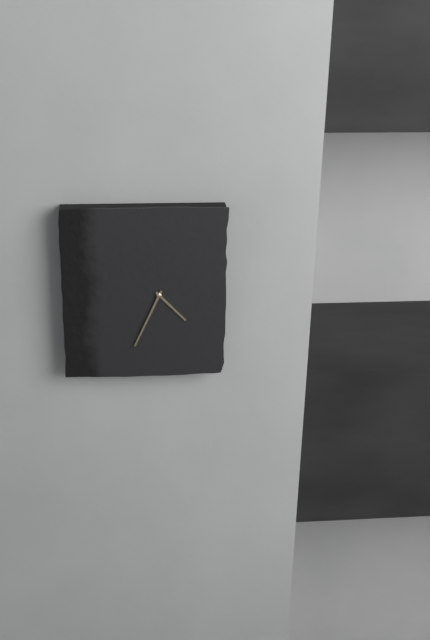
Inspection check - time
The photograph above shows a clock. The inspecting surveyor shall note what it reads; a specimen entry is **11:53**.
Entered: **4:34**
